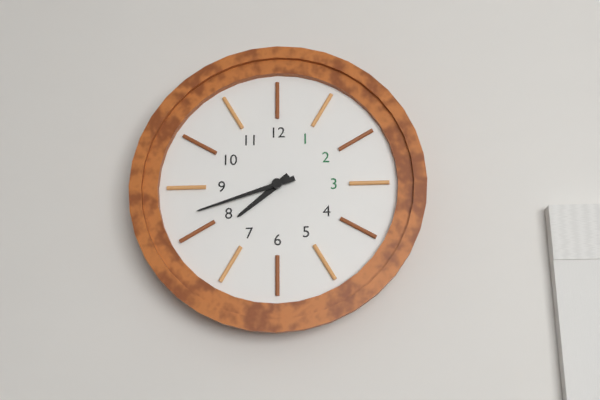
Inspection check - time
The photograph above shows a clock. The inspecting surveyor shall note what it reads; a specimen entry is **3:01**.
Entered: **7:42**
